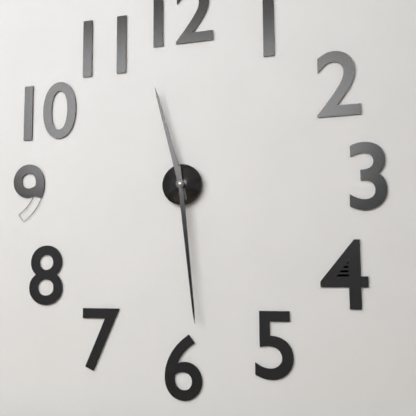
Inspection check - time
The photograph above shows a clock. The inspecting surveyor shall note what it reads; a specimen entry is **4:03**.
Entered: **11:29**
